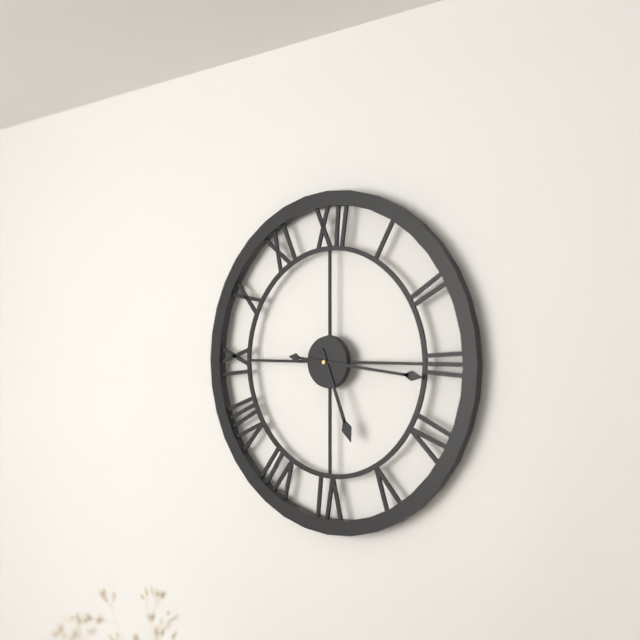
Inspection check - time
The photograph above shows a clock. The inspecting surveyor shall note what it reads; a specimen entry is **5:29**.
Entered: **5:16**
